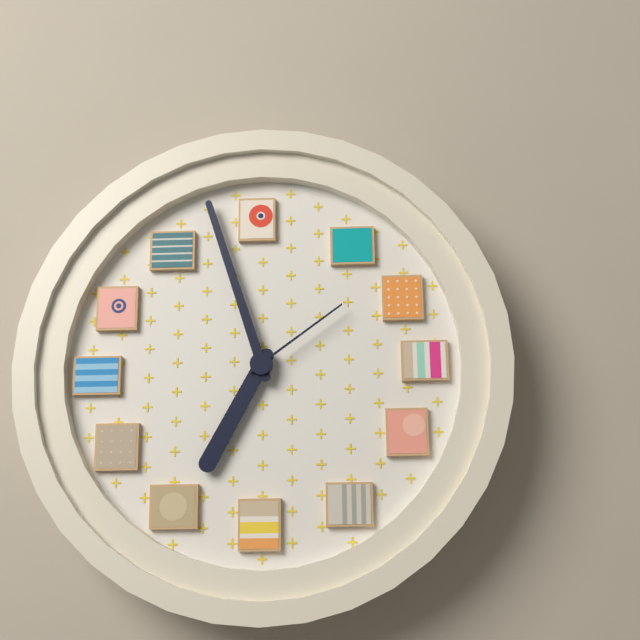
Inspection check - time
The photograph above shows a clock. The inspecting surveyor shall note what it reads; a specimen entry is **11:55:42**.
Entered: **6:57:09**
